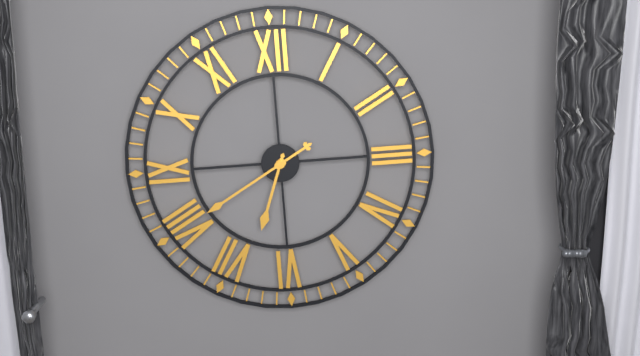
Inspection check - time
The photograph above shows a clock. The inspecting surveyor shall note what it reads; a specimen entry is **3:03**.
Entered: **6:40**
